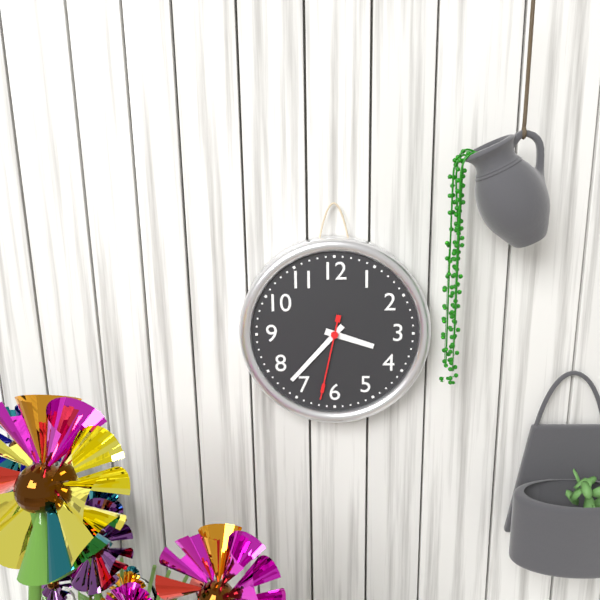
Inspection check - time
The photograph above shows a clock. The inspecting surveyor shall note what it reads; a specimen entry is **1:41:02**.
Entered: **3:37:32**
